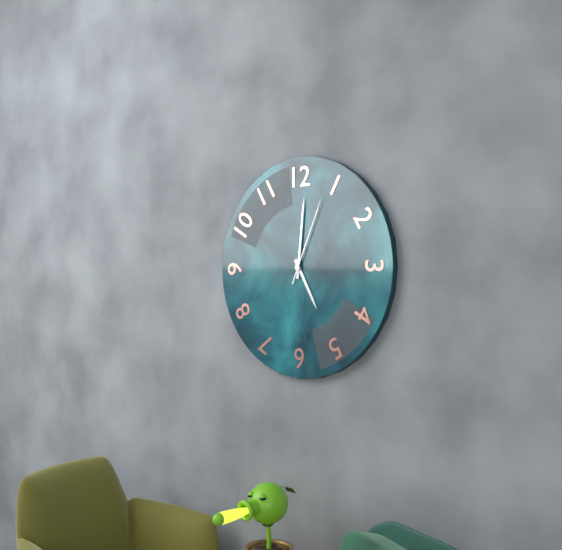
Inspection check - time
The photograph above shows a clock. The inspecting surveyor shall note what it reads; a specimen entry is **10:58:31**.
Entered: **5:01:04**
